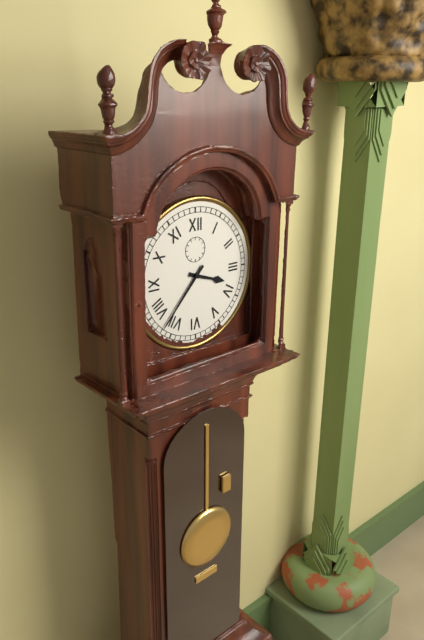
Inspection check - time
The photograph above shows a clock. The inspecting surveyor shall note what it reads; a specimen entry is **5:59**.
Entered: **3:37**
